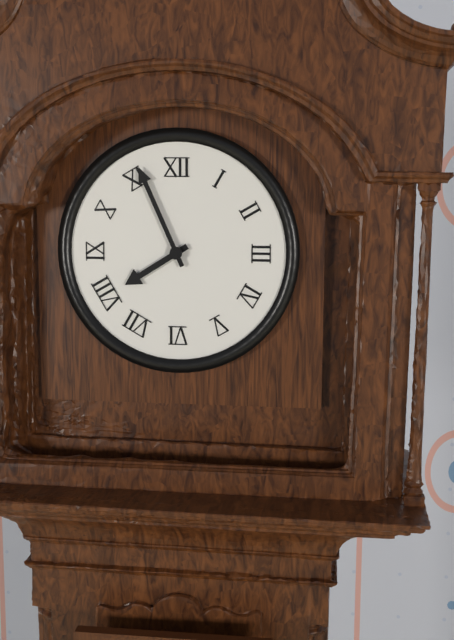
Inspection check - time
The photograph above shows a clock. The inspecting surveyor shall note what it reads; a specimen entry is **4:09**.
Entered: **7:56**
